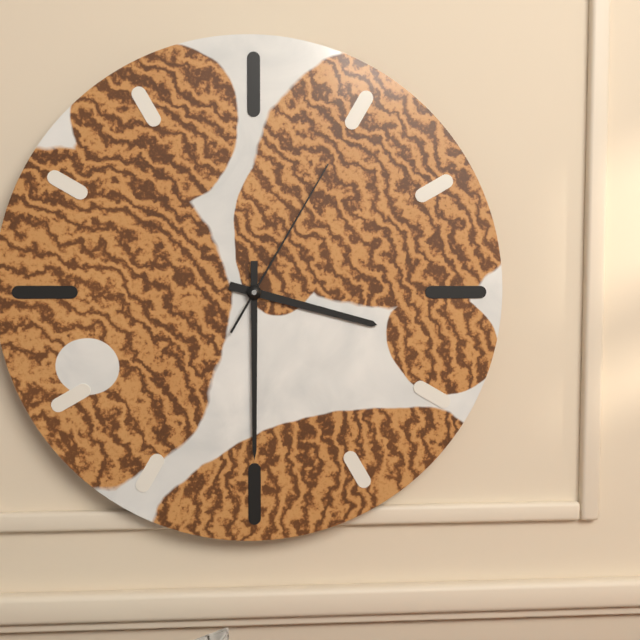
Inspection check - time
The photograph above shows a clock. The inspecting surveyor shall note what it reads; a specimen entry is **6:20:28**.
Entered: **3:30:05**
